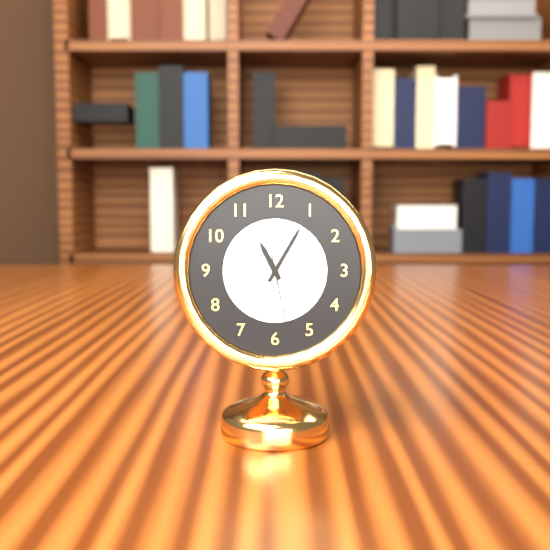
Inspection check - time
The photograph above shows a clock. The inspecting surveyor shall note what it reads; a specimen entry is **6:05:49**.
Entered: **11:05:28**
